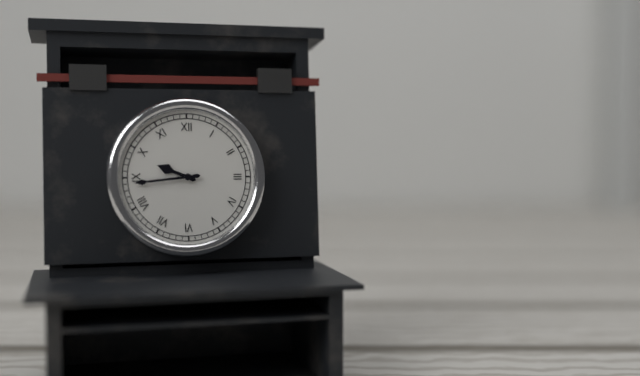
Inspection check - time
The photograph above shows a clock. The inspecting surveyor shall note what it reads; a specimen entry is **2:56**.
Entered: **9:44**
